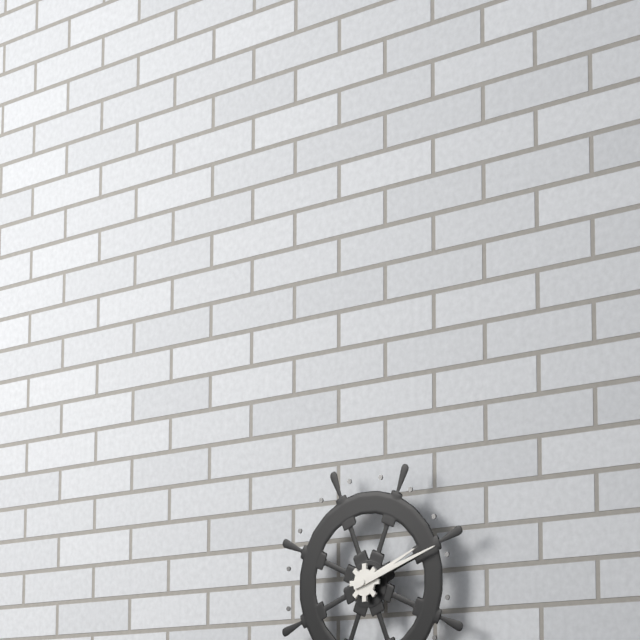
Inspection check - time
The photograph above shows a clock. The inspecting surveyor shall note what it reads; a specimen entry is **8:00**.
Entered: **2:12**
